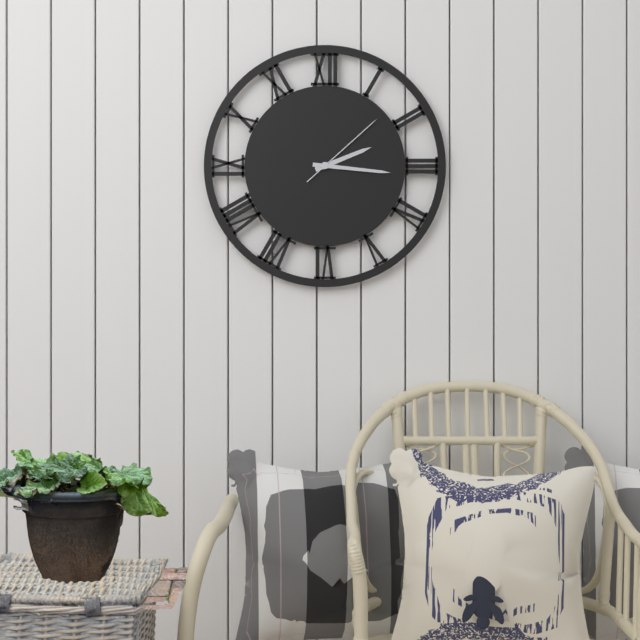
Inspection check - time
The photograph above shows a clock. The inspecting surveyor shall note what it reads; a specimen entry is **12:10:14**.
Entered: **2:16:08**
